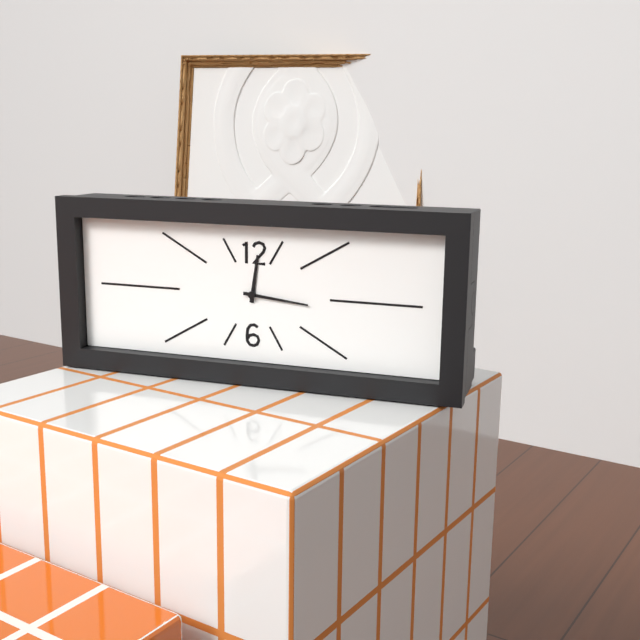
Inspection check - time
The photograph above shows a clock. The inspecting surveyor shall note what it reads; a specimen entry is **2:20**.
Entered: **12:16**
